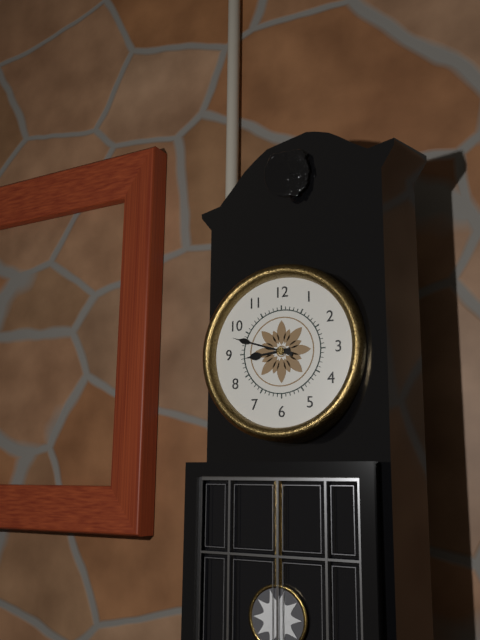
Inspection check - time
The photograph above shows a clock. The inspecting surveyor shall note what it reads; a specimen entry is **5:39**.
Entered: **8:48**
